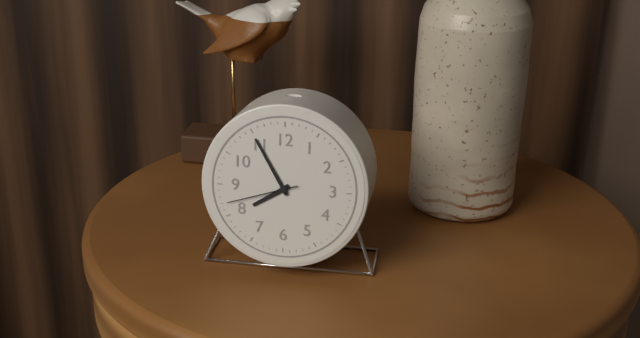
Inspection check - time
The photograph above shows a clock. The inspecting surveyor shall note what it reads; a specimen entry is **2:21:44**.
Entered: **7:55:42**
